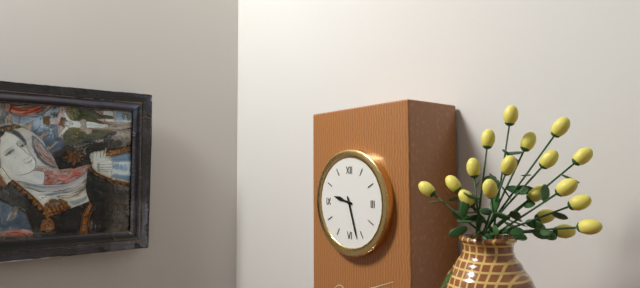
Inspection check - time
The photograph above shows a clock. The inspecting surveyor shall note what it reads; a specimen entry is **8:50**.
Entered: **9:27**
